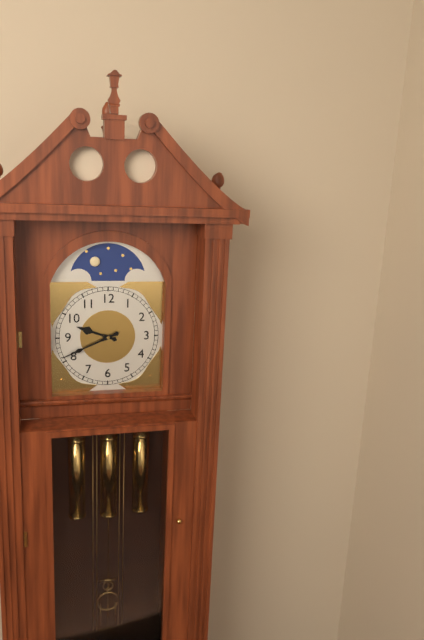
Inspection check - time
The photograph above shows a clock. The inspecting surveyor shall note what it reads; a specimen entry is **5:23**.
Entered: **9:41**
